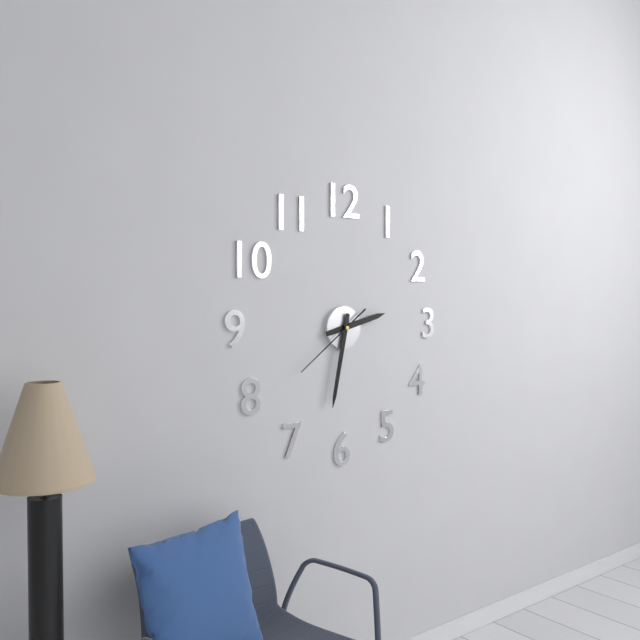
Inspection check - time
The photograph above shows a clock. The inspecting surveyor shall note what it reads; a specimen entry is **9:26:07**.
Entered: **2:32:39**
